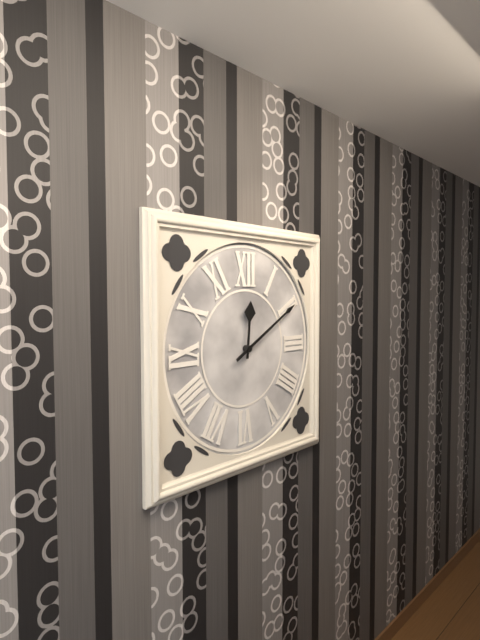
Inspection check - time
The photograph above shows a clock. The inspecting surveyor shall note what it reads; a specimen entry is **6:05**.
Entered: **12:10**
